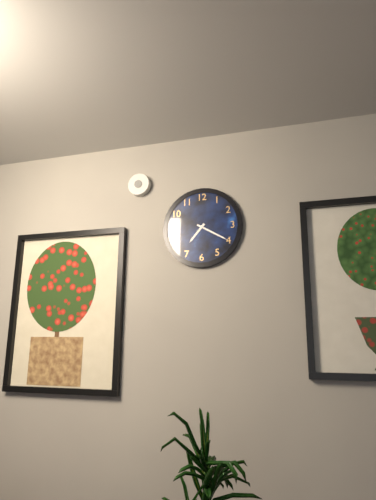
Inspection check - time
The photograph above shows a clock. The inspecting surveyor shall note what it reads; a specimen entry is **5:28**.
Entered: **7:20**
